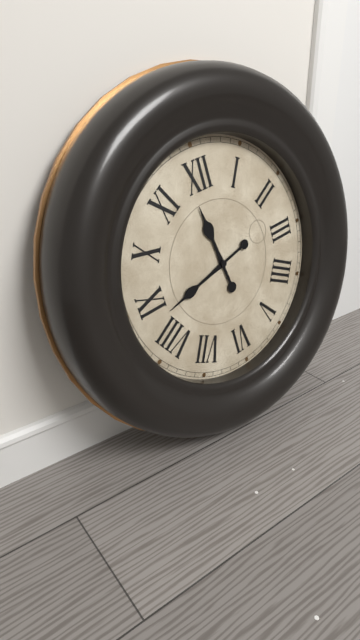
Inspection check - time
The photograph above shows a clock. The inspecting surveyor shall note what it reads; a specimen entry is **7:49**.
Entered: **11:43**
